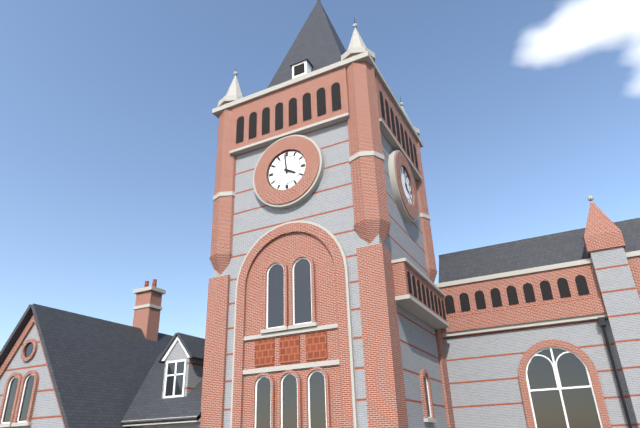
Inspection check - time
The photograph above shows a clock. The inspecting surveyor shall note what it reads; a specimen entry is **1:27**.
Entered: **3:59**
